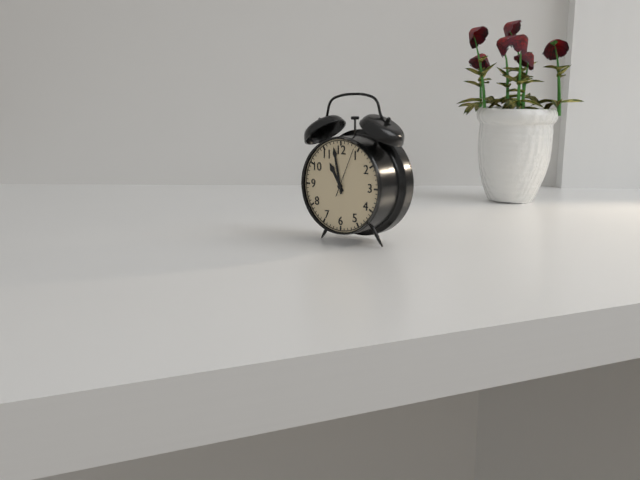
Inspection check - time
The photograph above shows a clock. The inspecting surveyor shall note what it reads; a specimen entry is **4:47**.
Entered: **10:58**
